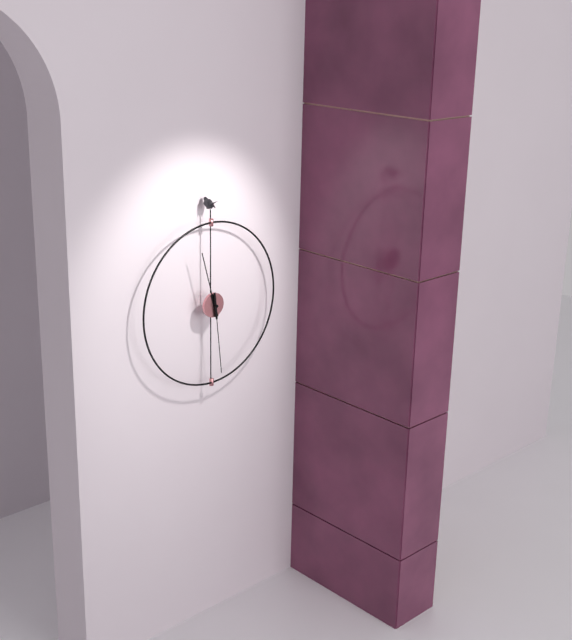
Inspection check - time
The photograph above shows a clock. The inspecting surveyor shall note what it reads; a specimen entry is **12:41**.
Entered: **11:29**
